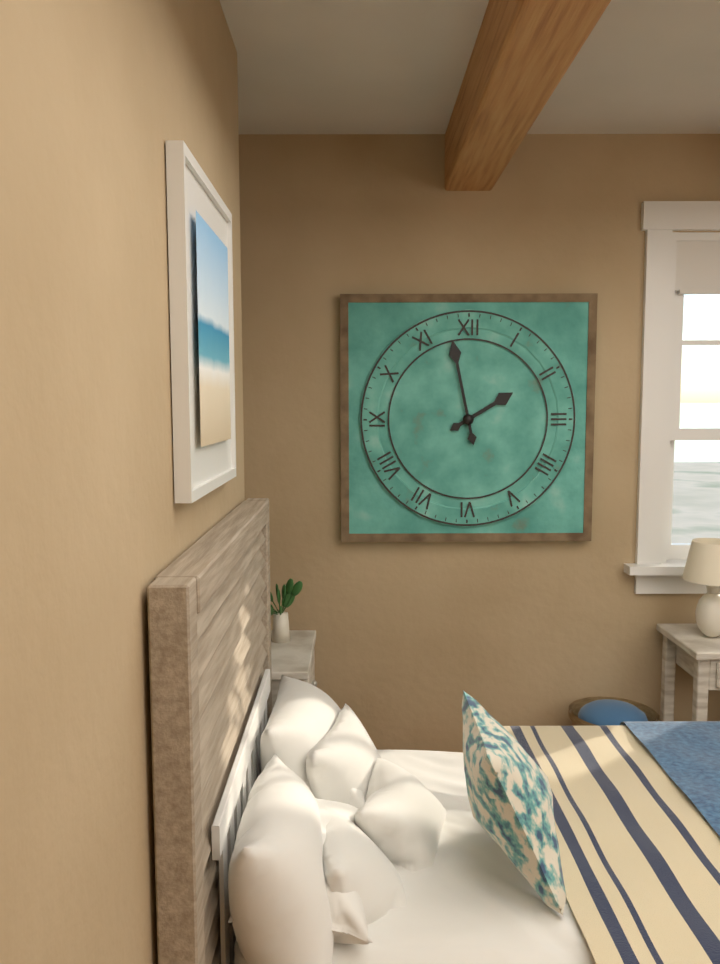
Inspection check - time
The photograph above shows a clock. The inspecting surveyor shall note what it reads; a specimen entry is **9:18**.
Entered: **1:58**
